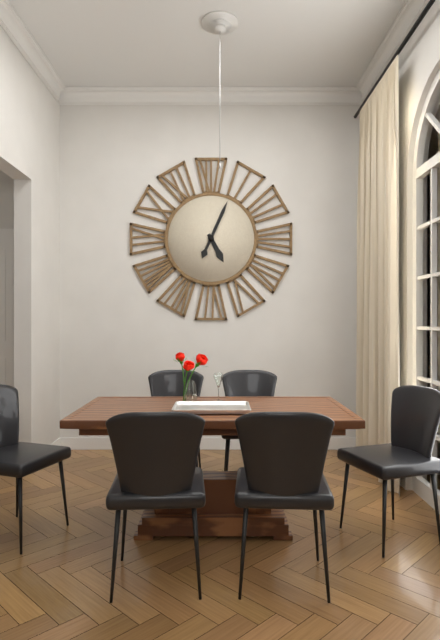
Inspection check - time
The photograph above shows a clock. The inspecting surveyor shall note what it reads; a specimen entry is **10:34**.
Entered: **5:04**
